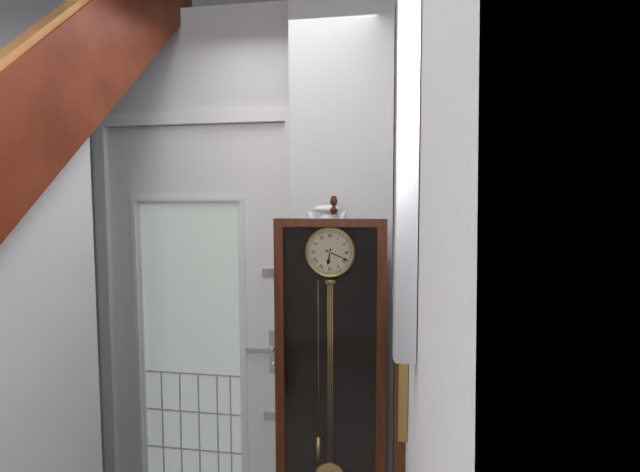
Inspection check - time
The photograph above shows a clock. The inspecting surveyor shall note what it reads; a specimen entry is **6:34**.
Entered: **6:19**
